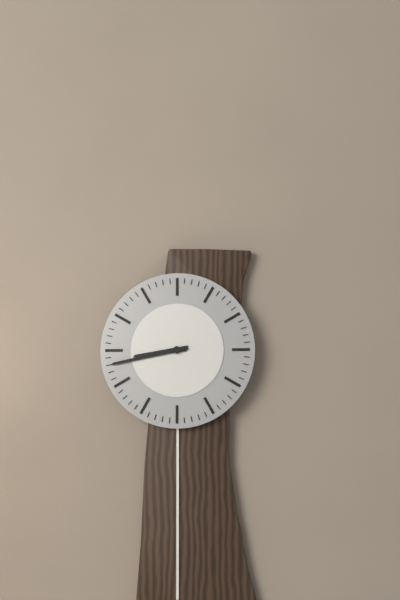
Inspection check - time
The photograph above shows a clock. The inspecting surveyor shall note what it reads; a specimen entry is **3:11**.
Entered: **8:43**
